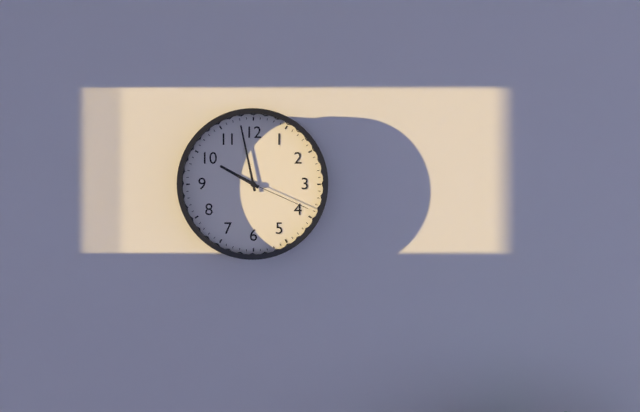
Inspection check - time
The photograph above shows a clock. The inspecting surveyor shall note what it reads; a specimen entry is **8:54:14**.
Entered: **9:58:19**
